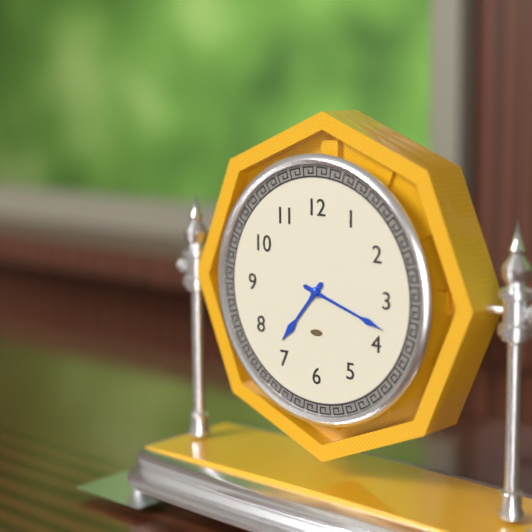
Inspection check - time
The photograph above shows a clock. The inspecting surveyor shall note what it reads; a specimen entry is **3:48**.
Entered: **7:18**
